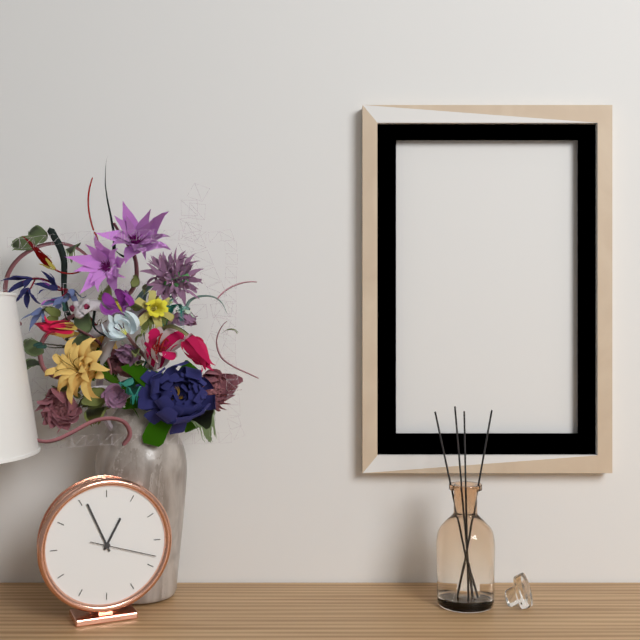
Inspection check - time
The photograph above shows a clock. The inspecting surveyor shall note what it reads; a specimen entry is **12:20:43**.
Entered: **12:56:18**
